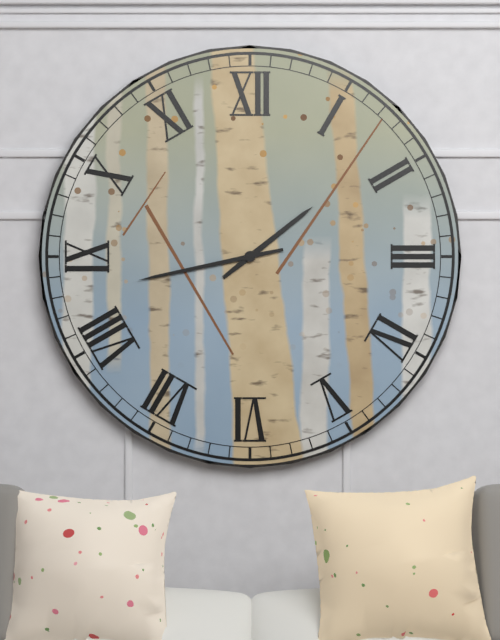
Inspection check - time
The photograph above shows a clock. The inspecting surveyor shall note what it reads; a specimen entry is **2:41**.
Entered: **1:43**
